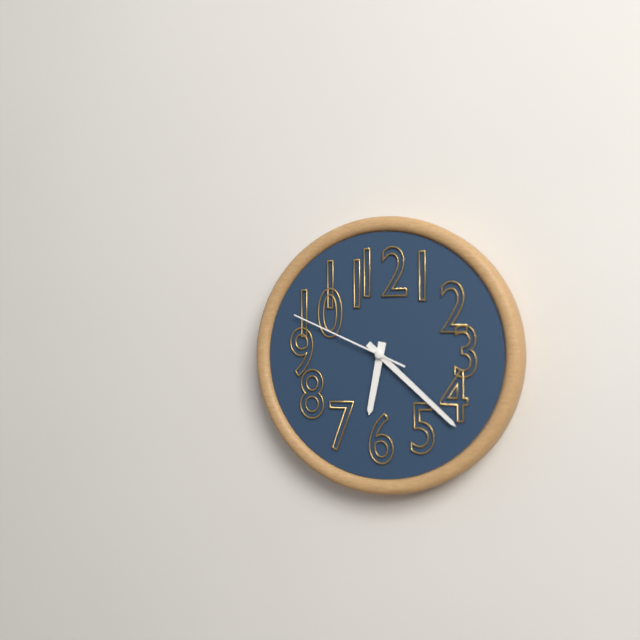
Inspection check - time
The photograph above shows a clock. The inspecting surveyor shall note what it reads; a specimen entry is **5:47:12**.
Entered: **6:22:49**
